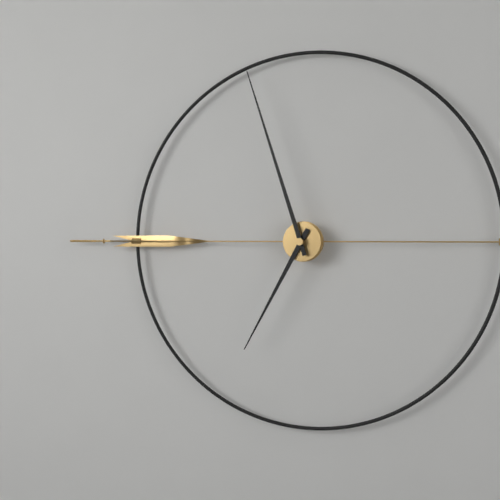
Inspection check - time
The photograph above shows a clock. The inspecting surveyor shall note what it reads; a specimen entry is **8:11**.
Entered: **6:57**
